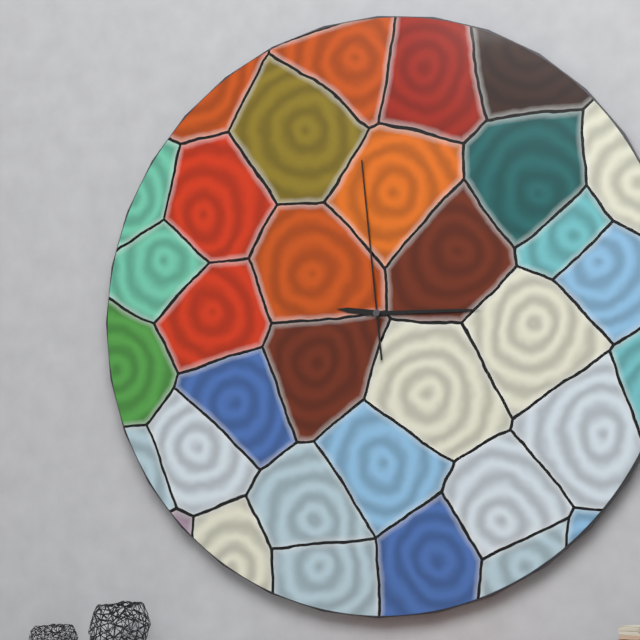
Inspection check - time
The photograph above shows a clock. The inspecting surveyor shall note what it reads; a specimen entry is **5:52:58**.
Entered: **9:15:59**
